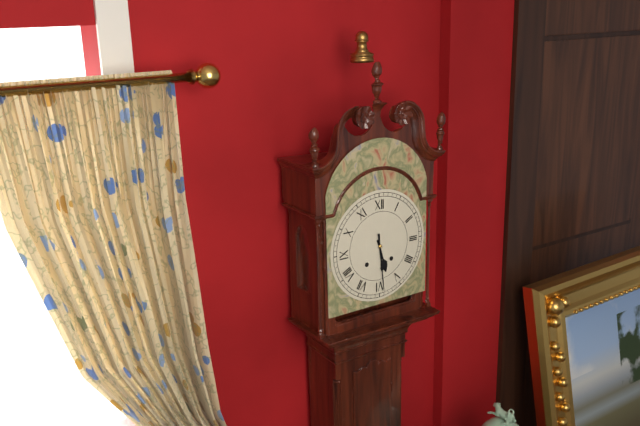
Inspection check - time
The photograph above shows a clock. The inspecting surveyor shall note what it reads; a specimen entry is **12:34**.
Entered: **5:29**
